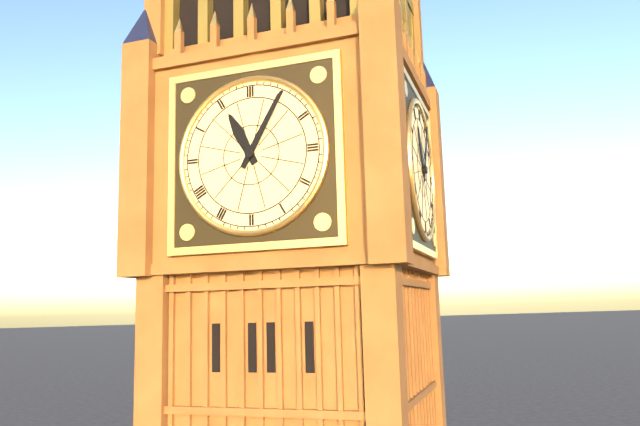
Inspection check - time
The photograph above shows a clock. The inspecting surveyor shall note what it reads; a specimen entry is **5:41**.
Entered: **11:05**
